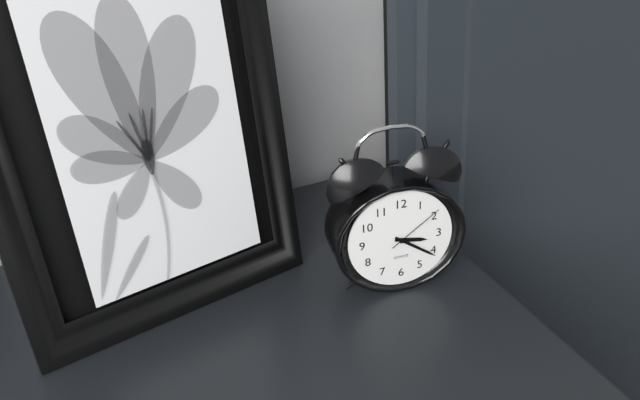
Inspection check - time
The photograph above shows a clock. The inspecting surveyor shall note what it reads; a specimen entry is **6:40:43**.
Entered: **3:21:09**
